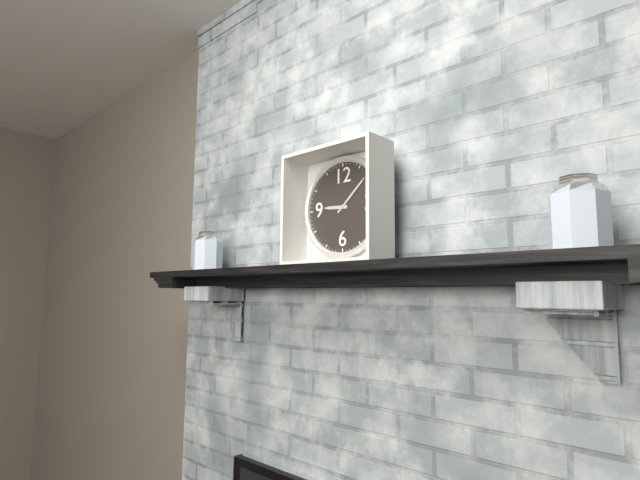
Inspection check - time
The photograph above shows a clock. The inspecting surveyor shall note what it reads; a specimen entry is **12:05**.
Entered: **9:08**
